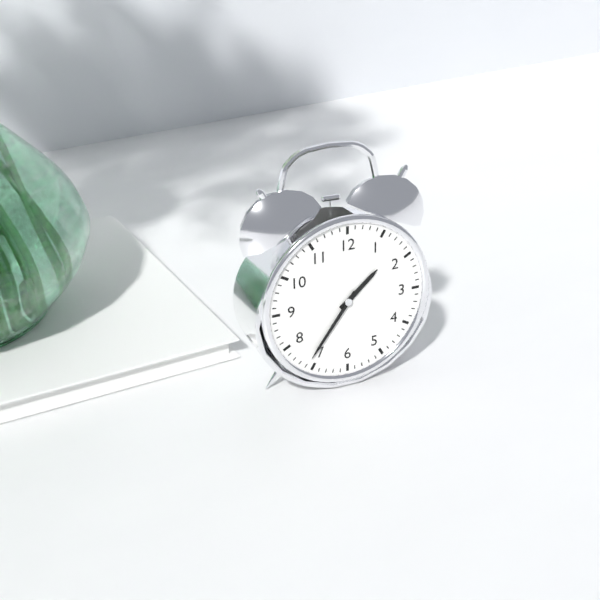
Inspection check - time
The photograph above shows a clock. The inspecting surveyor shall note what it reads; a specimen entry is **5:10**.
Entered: **1:36**
